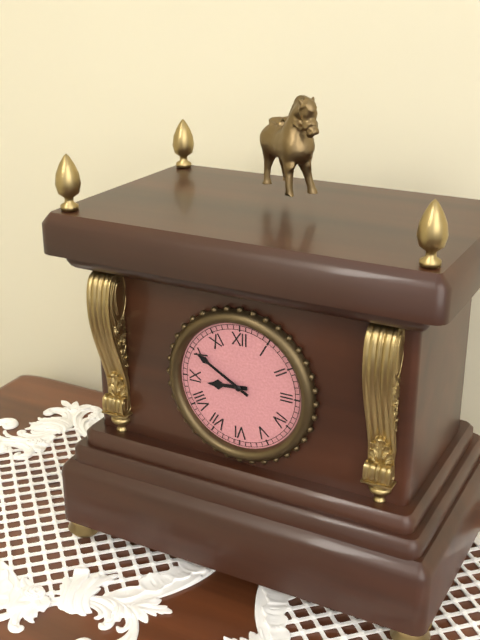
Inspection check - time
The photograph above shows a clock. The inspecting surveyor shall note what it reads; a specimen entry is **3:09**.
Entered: **8:50**
